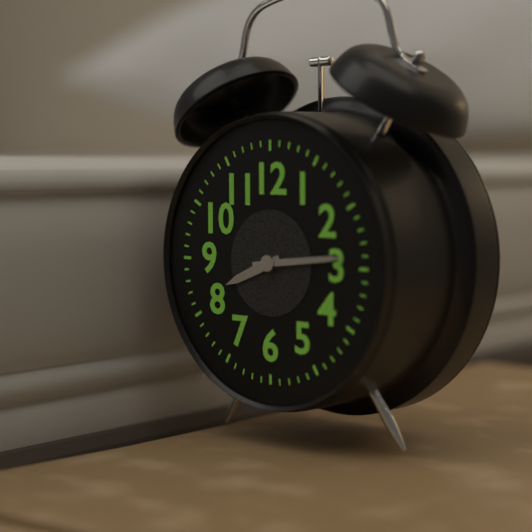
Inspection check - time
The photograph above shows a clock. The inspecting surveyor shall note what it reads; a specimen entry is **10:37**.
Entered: **8:14**
